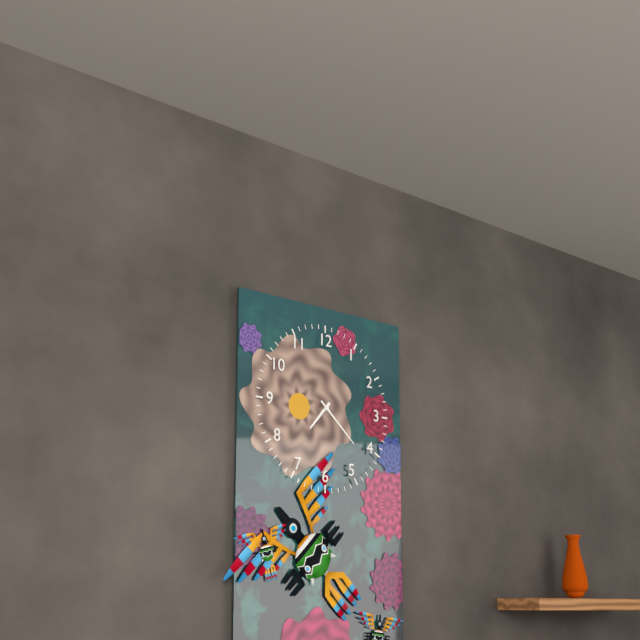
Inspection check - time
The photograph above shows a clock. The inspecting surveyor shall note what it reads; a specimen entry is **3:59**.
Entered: **7:22**
